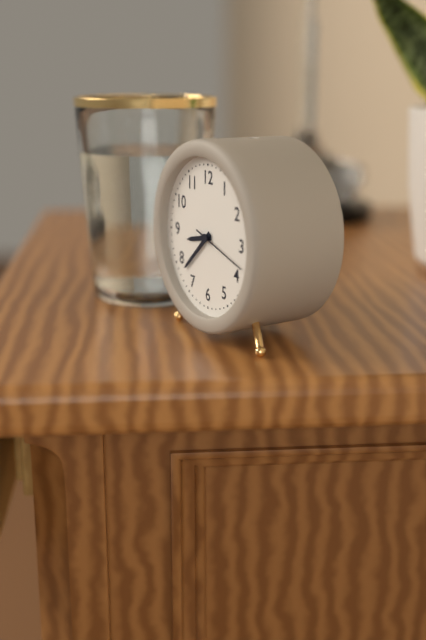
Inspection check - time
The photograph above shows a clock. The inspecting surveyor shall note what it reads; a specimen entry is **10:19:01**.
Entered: **8:38:18**
